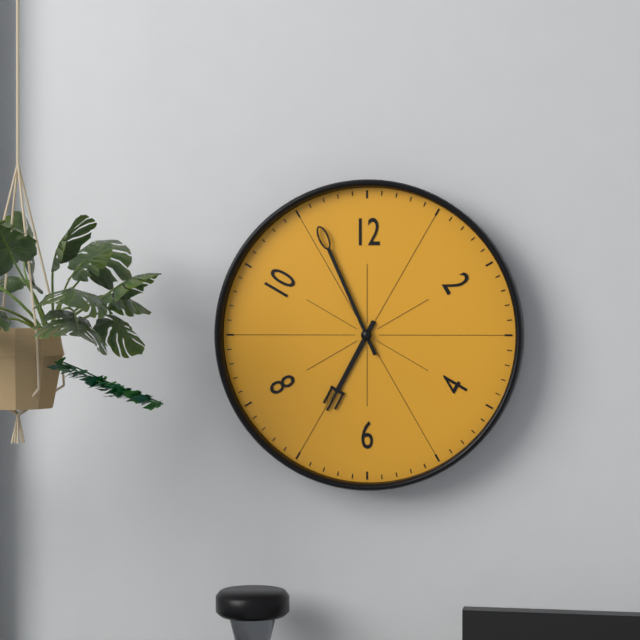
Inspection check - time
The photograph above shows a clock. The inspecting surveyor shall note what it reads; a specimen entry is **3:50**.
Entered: **6:56**
